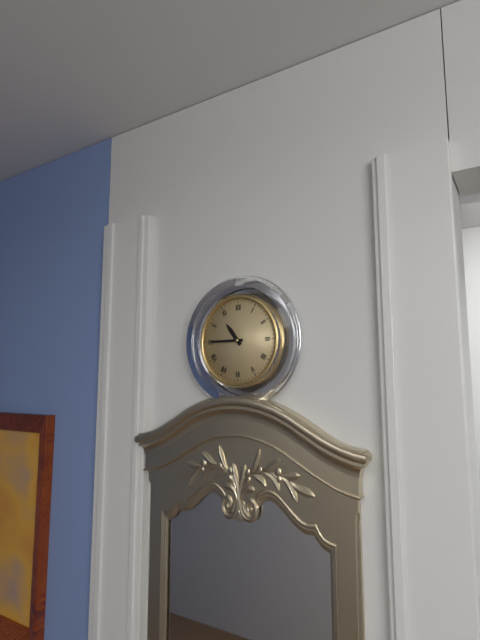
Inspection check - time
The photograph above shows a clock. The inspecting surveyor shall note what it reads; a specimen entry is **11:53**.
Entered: **10:45**
